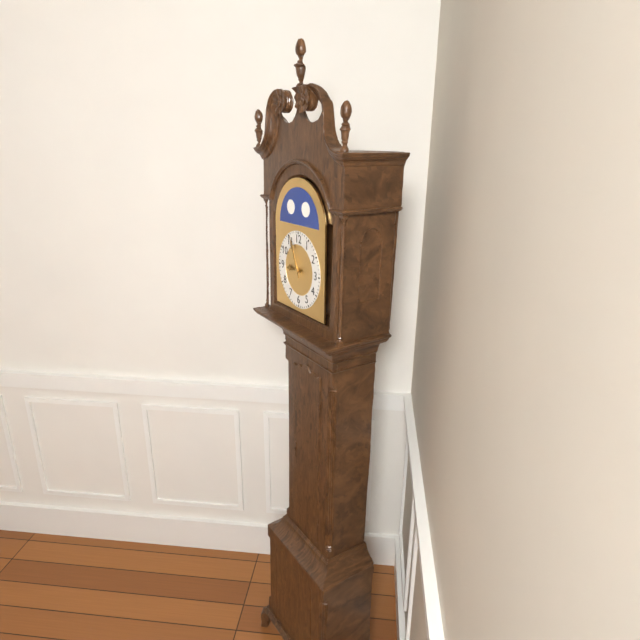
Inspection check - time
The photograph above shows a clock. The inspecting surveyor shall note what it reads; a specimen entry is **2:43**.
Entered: **8:56**
